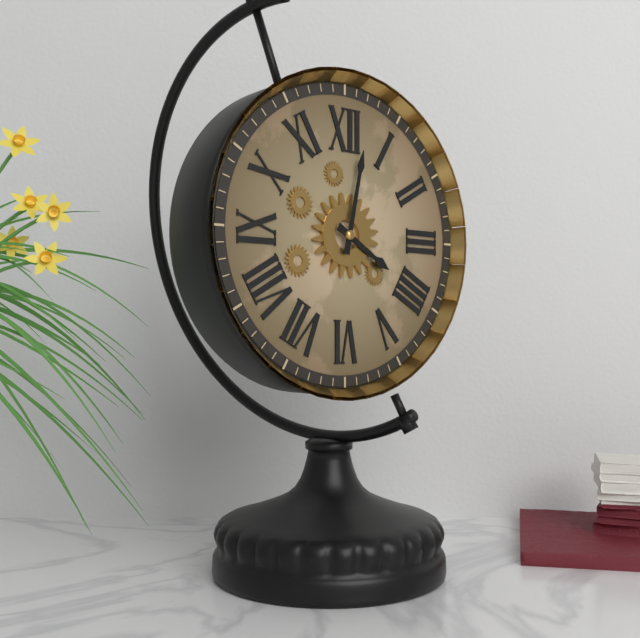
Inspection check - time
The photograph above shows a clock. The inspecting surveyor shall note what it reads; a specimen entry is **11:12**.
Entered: **4:02**
